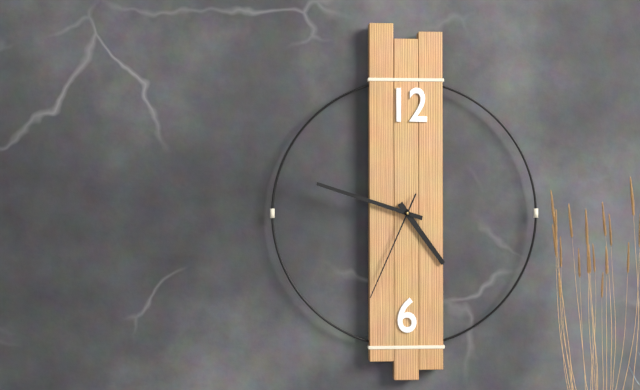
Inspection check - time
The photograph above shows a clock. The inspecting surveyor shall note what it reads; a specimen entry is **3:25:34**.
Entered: **4:48:34**
